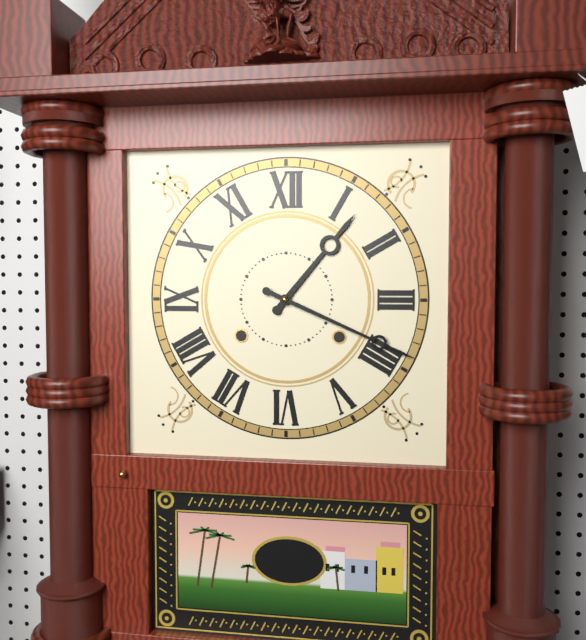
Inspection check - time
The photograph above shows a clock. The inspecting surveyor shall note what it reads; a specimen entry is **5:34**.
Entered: **1:19**
